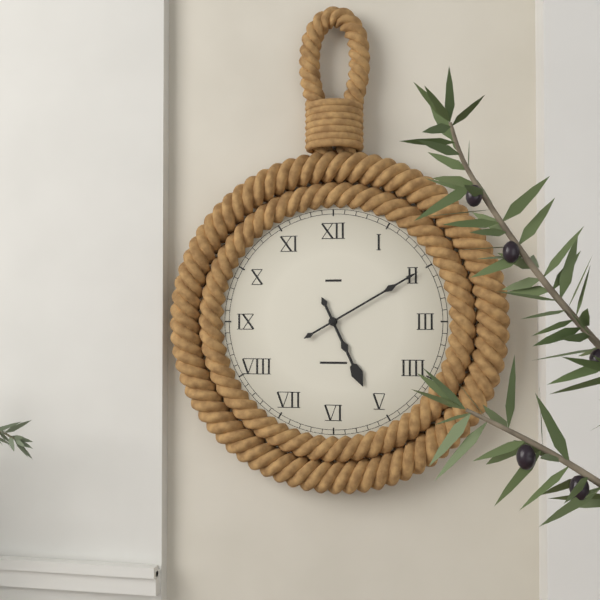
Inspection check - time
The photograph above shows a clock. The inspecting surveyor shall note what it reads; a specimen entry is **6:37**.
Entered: **5:10**
